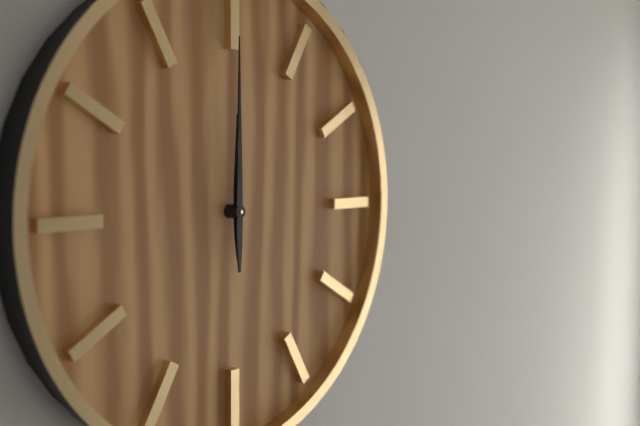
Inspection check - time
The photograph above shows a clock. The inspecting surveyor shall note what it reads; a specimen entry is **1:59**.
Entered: **12:00**
